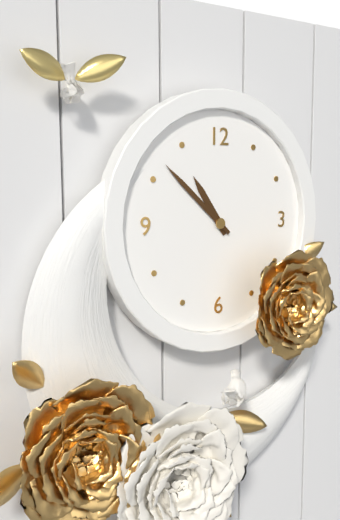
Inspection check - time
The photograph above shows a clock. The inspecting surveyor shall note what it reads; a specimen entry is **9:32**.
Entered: **10:52**
